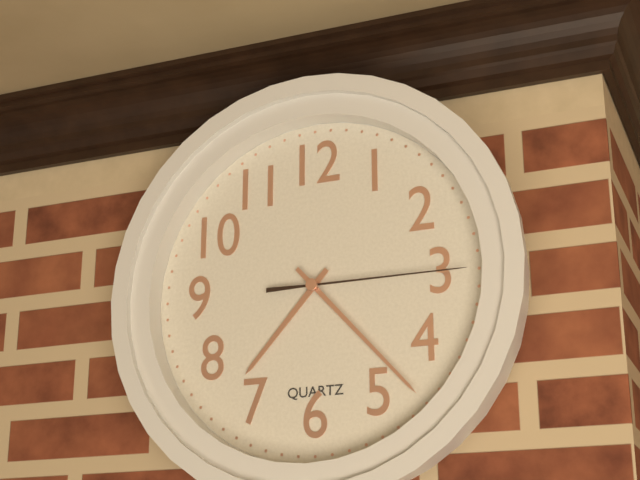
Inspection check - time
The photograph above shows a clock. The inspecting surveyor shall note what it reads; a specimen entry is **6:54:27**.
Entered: **7:23:15**
